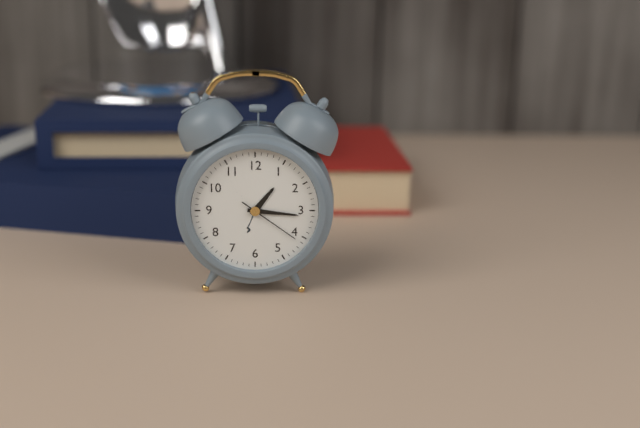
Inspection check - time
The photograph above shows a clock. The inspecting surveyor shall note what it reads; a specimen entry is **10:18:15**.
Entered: **1:16:21**
